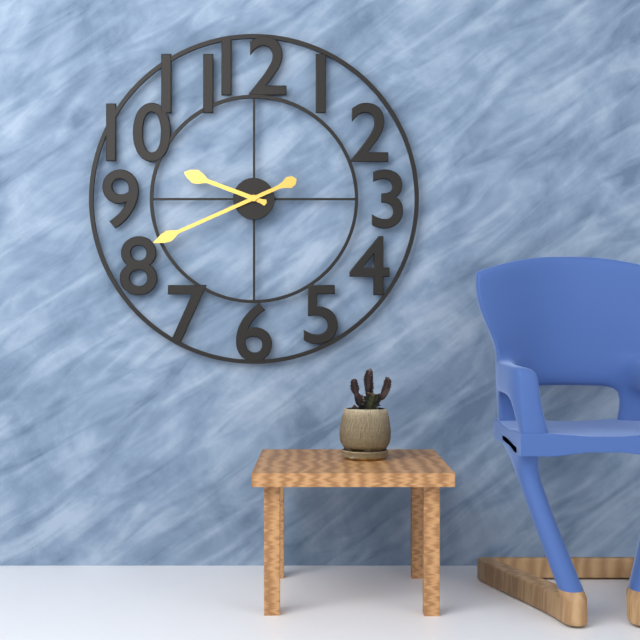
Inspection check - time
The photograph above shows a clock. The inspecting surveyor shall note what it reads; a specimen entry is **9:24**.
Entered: **9:41**
